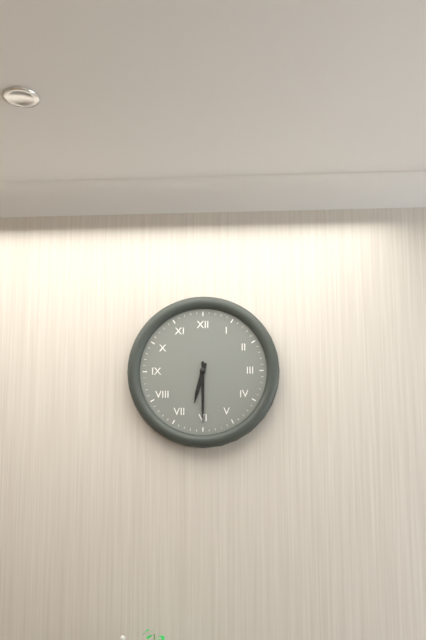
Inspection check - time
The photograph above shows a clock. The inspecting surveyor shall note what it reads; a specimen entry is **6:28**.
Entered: **6:30**
